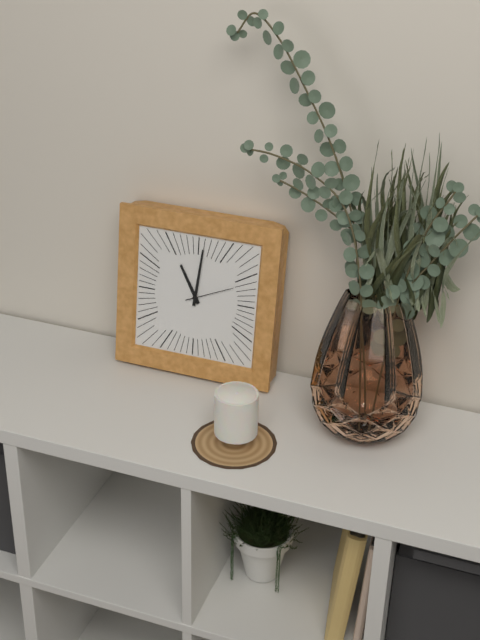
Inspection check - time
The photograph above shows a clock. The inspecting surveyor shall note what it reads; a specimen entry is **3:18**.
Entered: **11:01**
